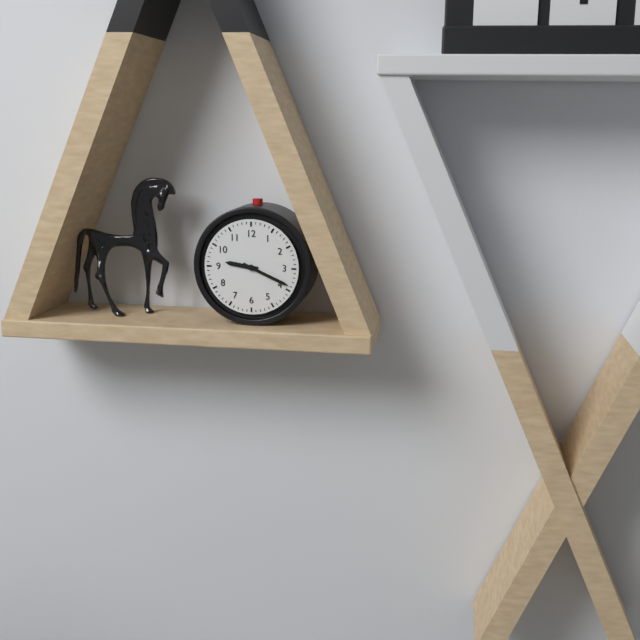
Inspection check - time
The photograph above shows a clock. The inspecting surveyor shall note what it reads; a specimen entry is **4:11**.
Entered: **9:19**
